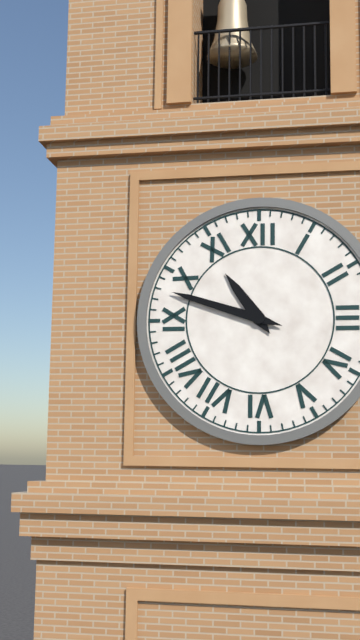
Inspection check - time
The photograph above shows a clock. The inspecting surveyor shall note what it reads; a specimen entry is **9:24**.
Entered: **10:48**
